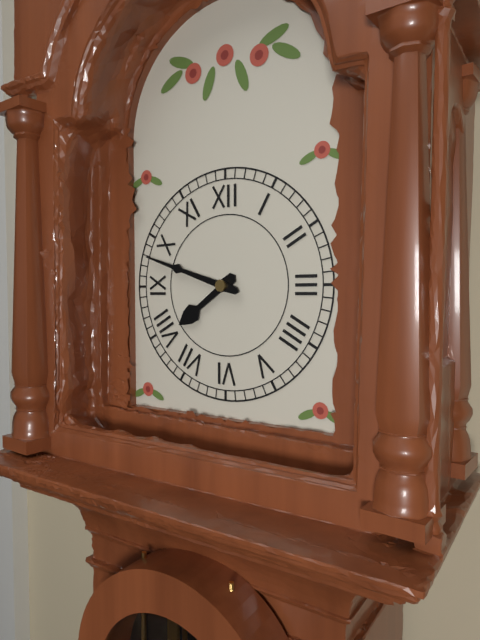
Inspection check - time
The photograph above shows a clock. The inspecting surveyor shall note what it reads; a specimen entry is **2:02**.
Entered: **7:48**
